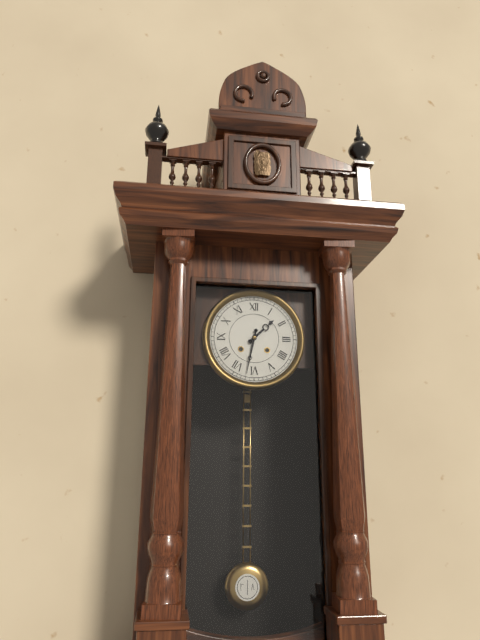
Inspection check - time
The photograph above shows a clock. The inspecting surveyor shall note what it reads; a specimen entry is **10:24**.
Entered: **1:32**
